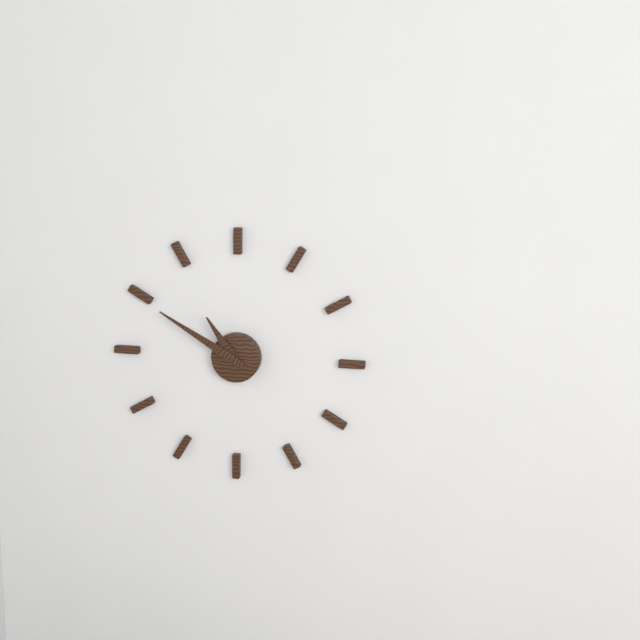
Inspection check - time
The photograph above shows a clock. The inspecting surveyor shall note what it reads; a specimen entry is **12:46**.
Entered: **10:50**
